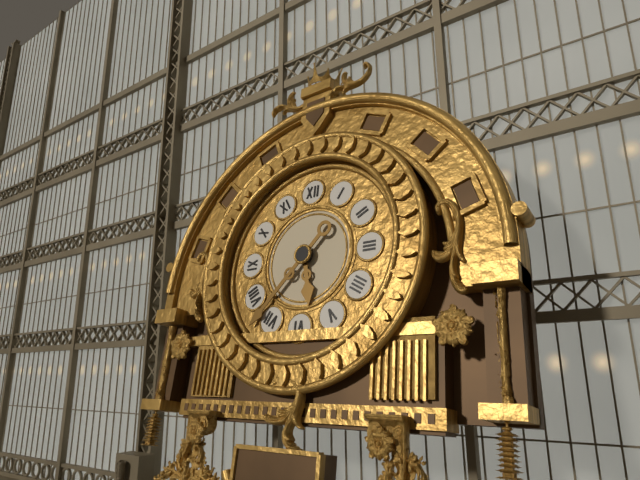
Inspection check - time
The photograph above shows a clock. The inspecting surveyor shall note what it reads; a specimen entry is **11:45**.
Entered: **5:37**
